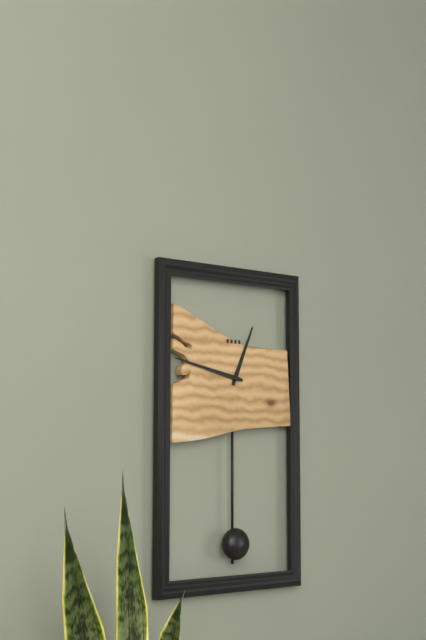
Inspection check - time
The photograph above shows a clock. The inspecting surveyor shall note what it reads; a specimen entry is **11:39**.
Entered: **12:47**
